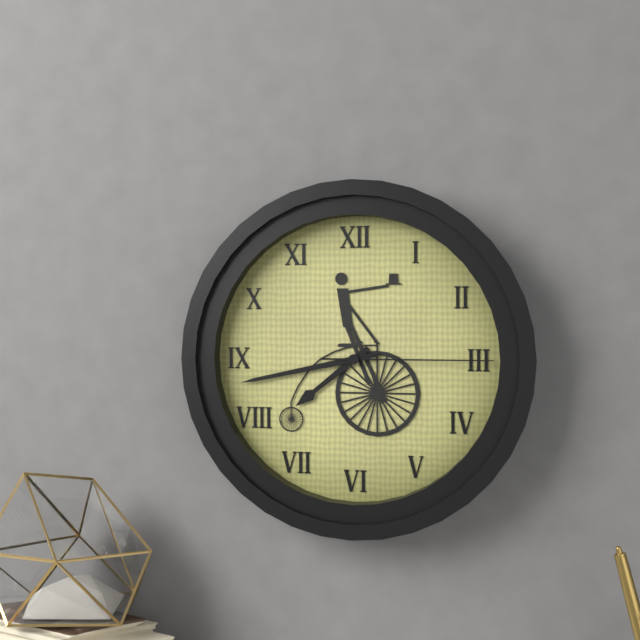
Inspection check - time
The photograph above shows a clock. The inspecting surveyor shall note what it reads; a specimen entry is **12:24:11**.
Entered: **7:43:15**
